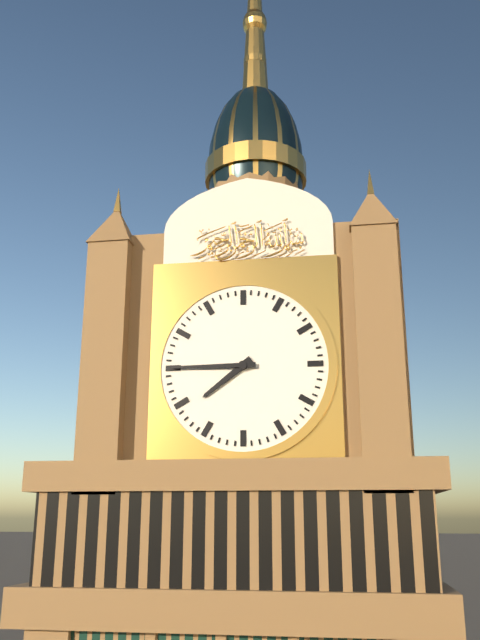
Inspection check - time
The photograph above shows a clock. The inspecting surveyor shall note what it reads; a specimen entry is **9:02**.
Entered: **7:45**
